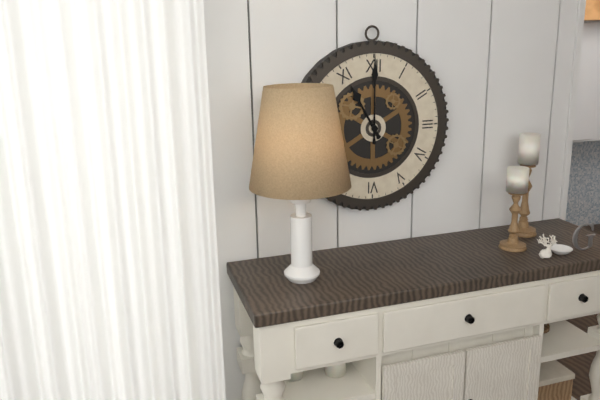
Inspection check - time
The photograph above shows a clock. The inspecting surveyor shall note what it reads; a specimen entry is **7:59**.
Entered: **11:00**
